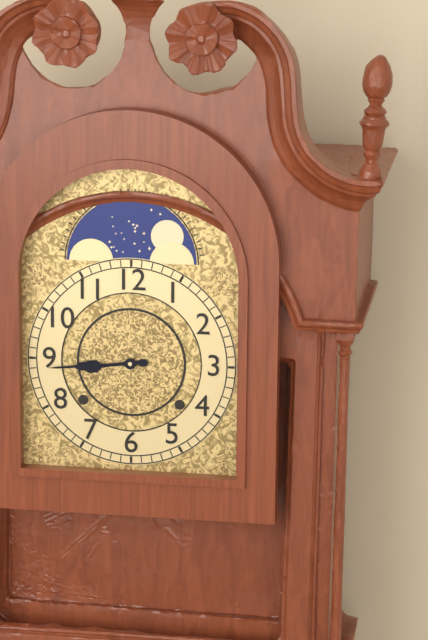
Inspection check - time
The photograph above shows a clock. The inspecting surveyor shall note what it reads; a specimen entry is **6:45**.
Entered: **8:44**
